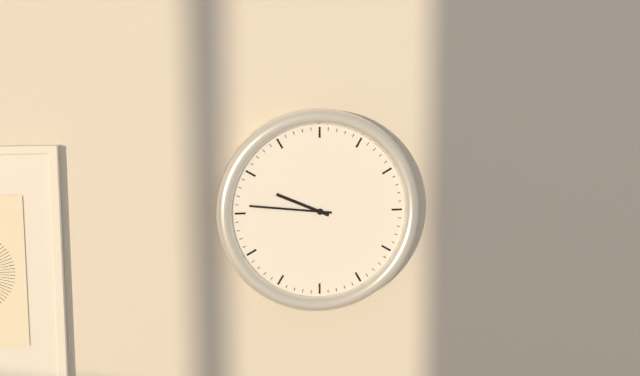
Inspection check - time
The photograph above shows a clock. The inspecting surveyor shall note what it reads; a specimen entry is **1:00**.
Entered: **9:46**
